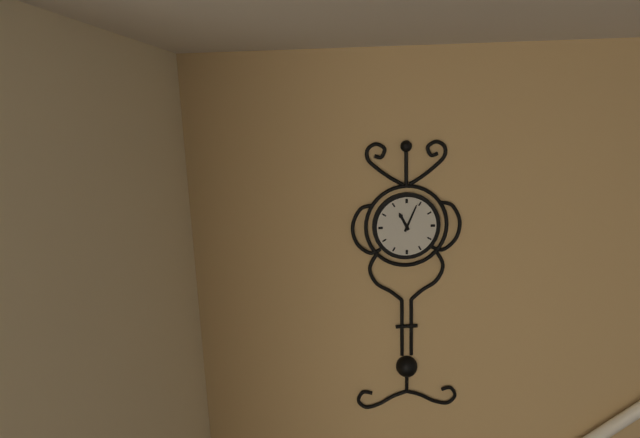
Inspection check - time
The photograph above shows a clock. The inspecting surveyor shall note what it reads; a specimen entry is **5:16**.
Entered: **11:04**
